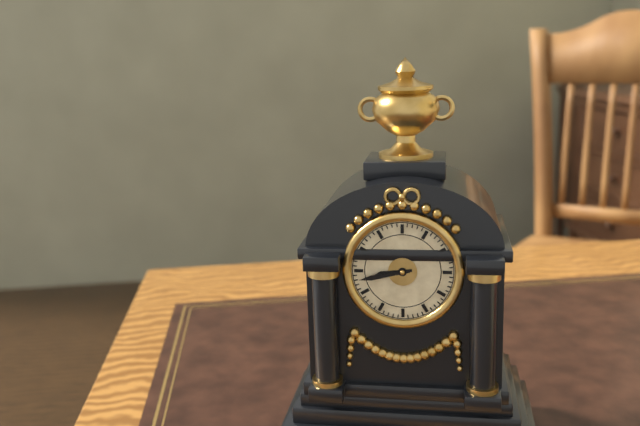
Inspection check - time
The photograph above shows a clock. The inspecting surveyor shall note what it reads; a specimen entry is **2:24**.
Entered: **8:43**
